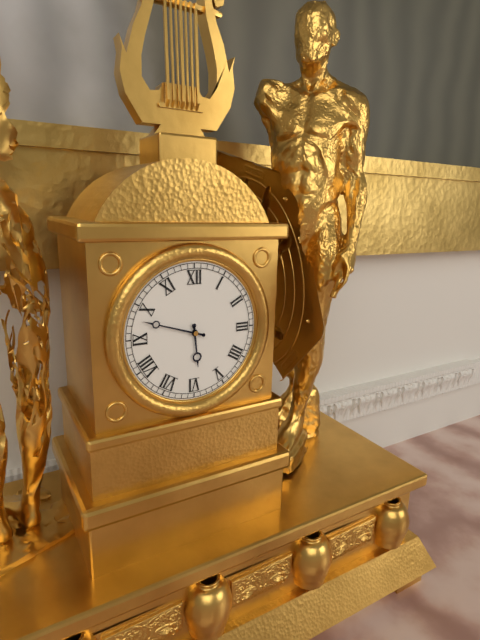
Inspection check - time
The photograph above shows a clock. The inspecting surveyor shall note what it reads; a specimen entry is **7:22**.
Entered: **5:48**
